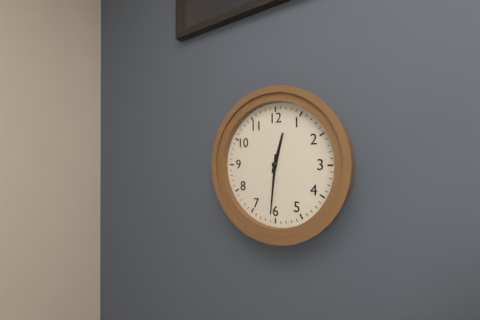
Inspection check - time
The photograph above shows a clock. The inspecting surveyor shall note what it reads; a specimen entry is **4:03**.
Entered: **12:31**
